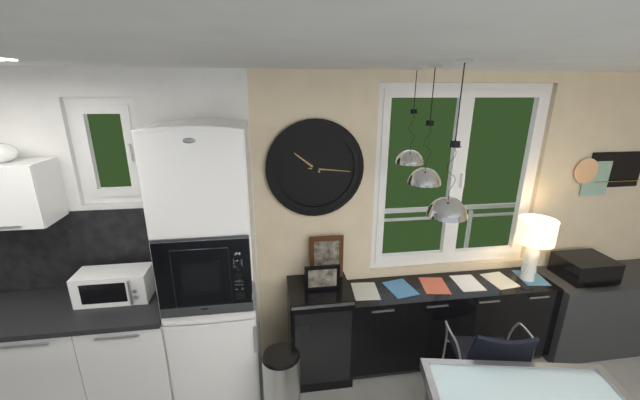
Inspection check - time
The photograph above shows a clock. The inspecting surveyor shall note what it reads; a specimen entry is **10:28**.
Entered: **10:16**
